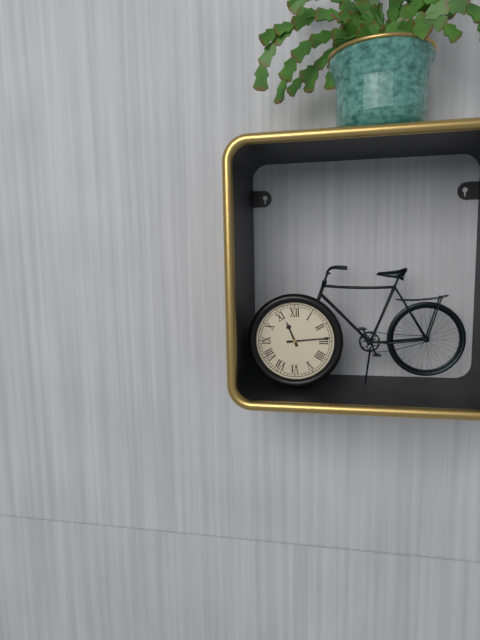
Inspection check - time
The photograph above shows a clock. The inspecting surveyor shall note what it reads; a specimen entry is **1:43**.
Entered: **11:14**
